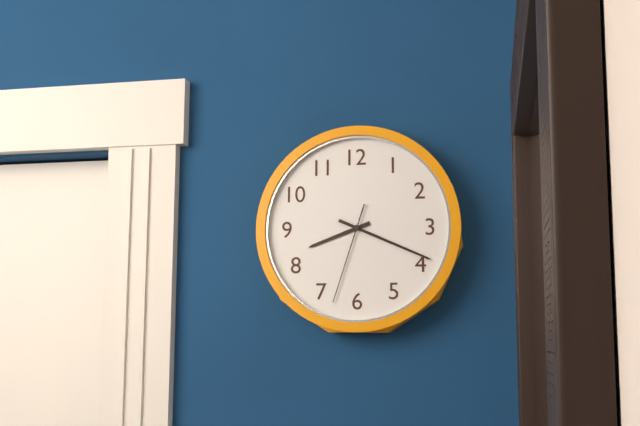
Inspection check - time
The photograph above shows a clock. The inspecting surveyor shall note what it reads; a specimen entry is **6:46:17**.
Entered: **8:19:33**
